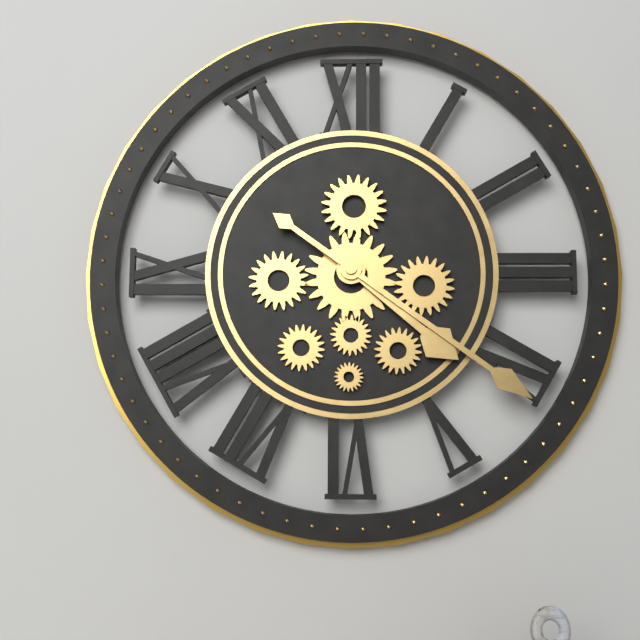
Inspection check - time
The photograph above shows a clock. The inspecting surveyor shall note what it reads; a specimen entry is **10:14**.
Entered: **4:21**
